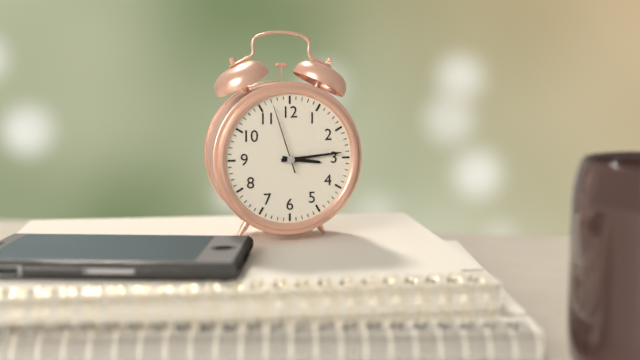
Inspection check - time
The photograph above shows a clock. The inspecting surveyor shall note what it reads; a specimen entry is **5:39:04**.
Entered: **3:14:57**
